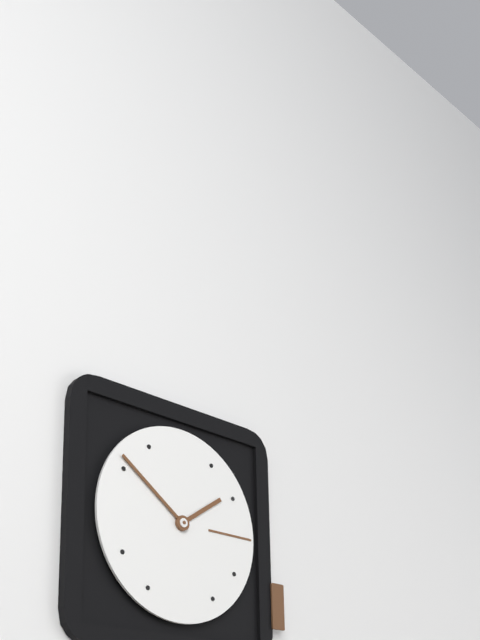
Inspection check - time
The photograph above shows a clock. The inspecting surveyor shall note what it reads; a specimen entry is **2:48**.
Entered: **1:51**
